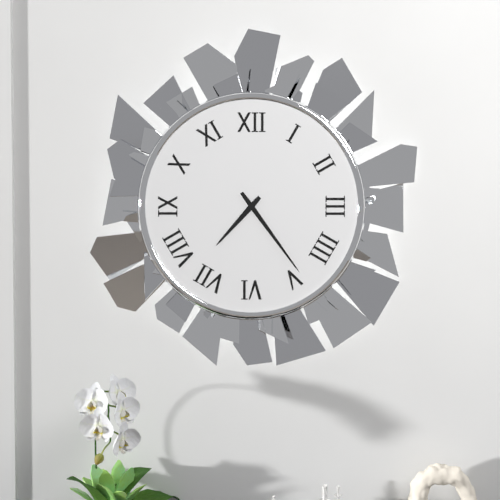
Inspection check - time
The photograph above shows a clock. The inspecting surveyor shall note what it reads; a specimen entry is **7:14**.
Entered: **7:24**
